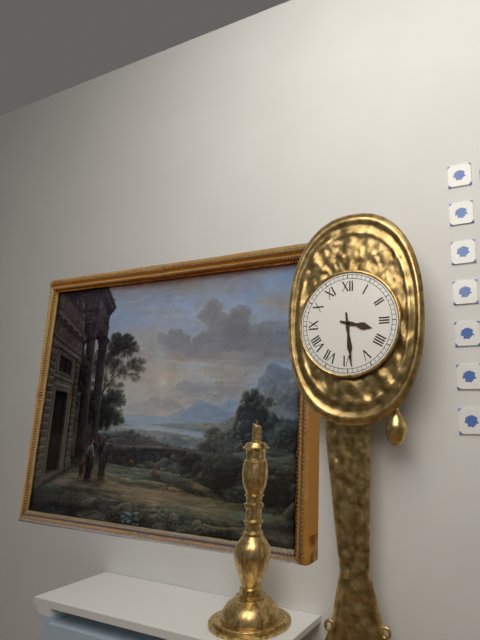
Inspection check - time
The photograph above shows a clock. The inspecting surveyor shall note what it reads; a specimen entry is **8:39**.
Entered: **3:29**
